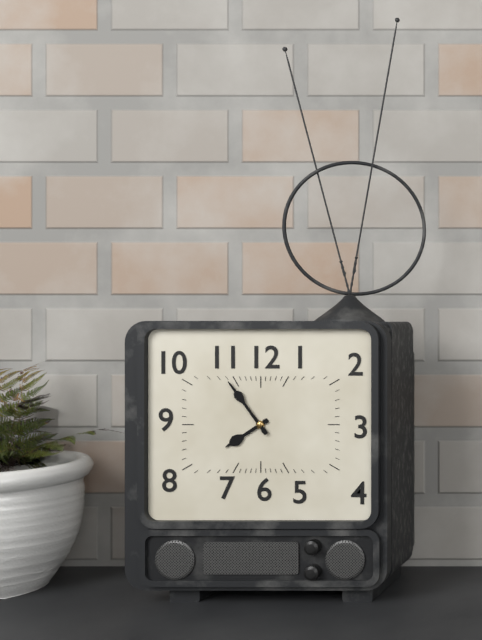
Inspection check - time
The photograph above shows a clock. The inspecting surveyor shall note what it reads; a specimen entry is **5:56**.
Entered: **7:54**
